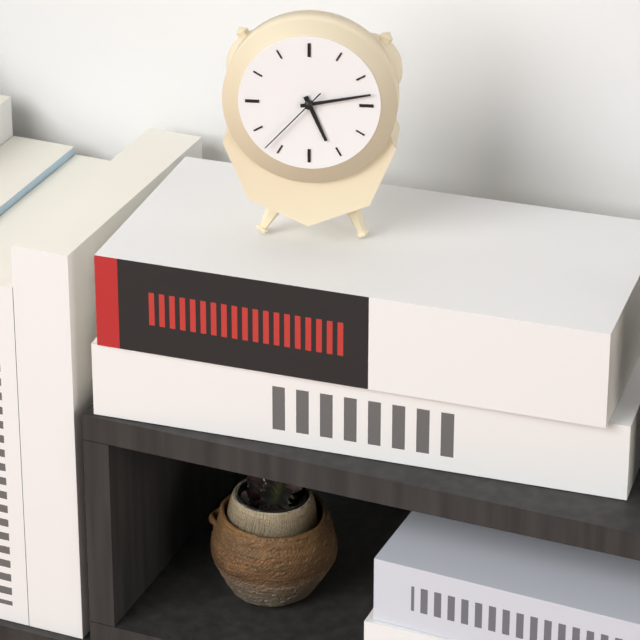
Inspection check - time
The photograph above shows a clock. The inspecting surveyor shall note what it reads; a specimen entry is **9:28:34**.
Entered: **5:13:37**
